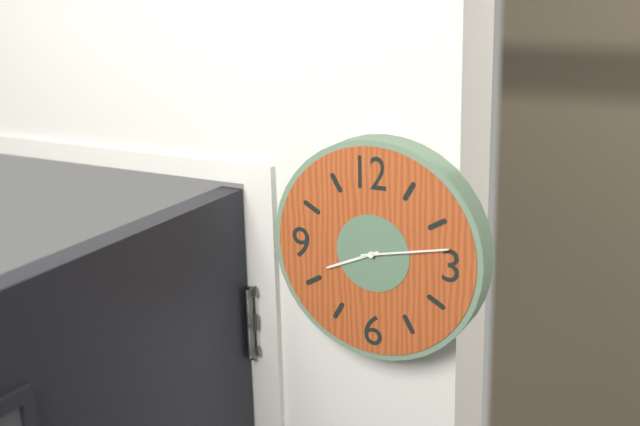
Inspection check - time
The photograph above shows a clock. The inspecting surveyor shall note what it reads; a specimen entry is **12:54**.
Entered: **8:13**
